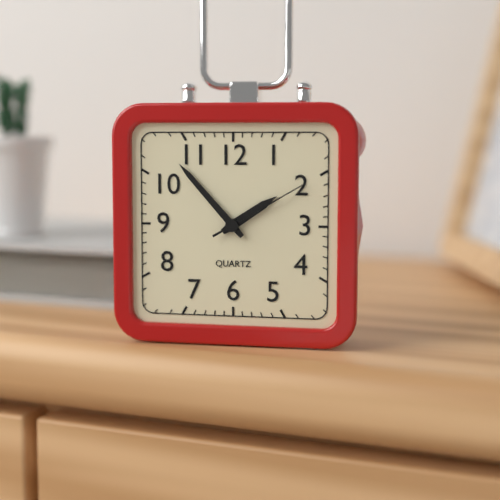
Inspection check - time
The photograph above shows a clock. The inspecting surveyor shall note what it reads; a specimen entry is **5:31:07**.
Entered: **1:53:10**
